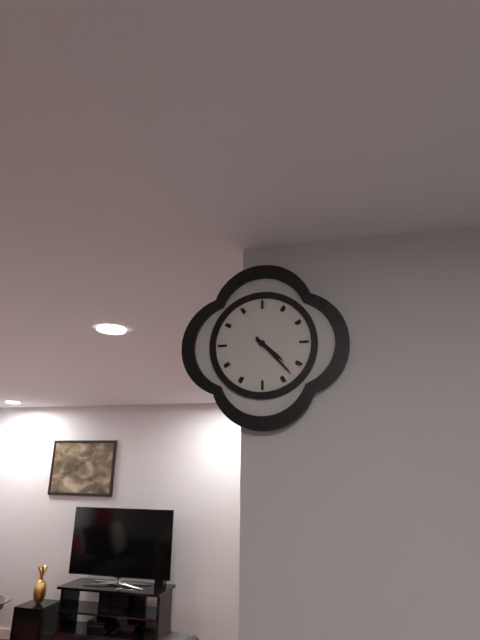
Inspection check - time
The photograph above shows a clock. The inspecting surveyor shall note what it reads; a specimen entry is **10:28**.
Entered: **4:23**
